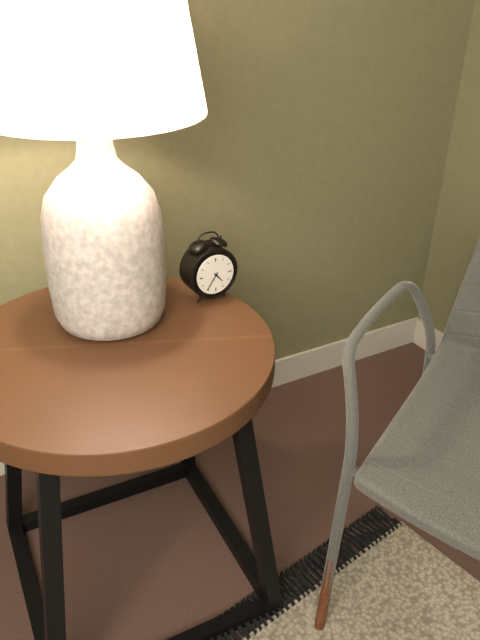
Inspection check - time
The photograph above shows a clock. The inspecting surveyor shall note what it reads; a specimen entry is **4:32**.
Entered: **4:36**
